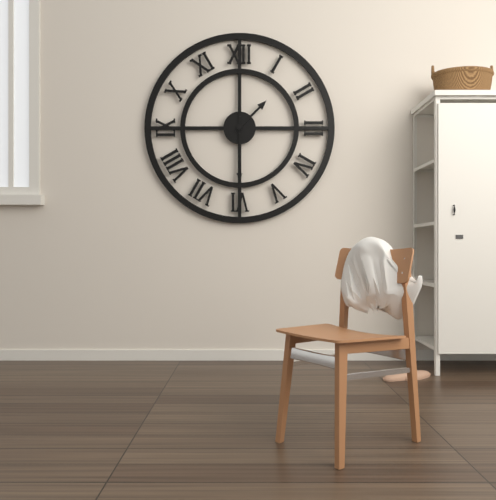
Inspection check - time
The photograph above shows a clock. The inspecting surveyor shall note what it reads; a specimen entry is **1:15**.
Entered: **1:30**
